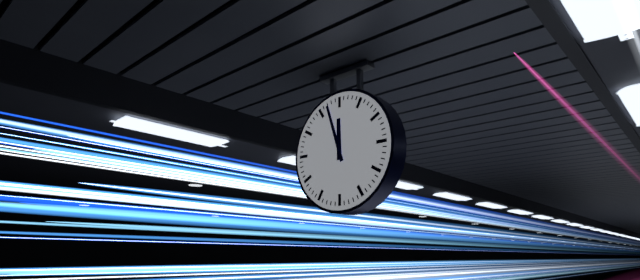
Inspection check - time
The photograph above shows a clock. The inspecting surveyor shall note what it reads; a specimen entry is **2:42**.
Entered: **11:57**
